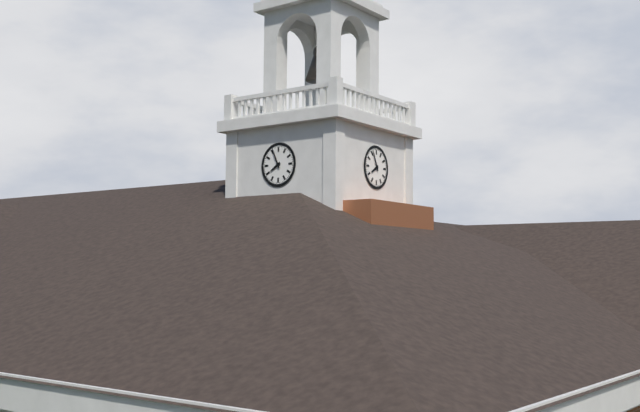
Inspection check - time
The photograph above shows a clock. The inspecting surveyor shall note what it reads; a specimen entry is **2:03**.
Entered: **7:56**
